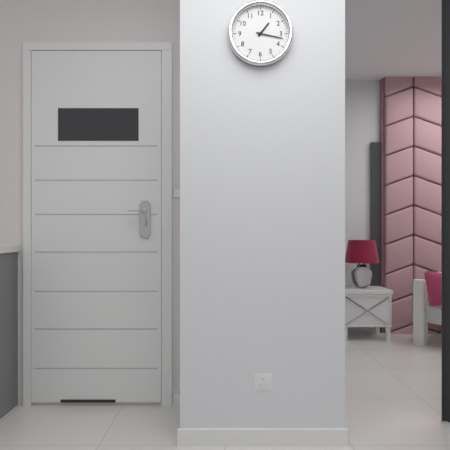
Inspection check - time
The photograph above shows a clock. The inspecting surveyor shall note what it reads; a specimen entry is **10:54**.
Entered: **1:17**
